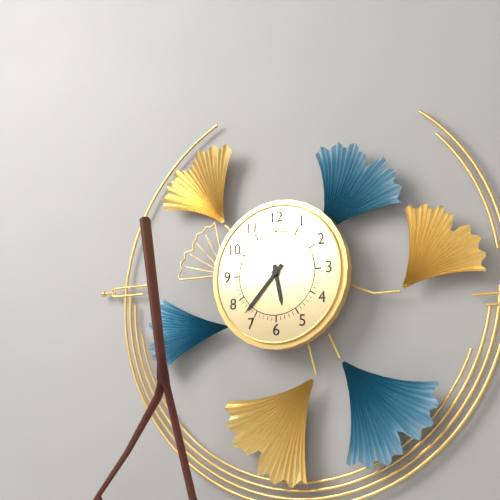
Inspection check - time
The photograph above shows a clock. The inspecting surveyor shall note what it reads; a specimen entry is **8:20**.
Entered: **5:37**
